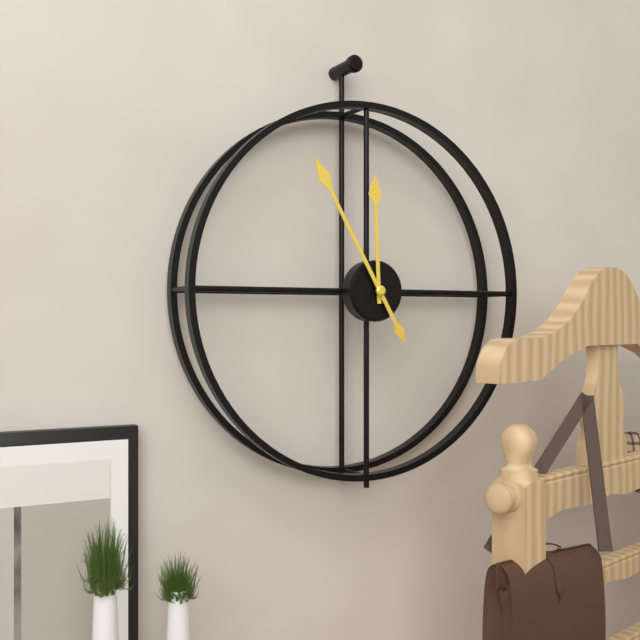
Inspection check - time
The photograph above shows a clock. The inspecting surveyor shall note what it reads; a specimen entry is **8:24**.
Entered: **11:55**
